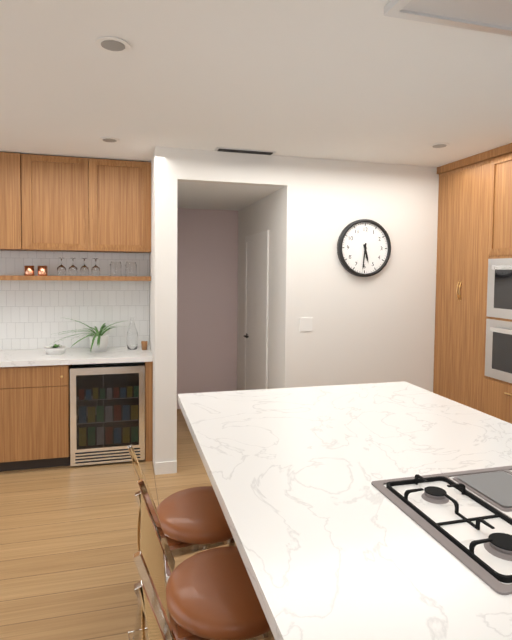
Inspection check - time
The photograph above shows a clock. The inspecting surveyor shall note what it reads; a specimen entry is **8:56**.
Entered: **5:31**
